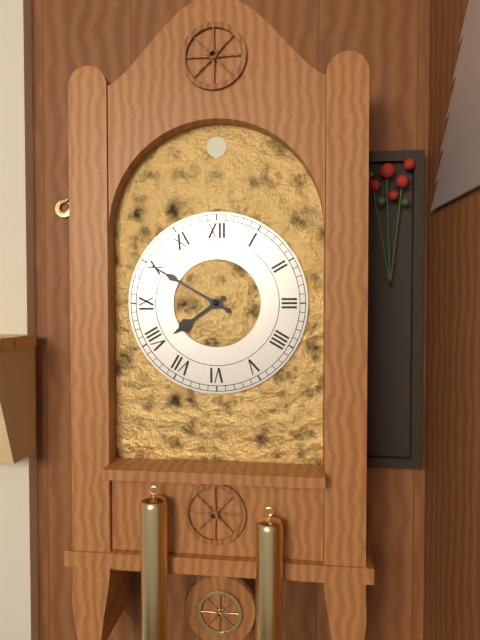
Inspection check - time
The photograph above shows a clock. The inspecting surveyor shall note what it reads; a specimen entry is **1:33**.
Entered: **7:50**
